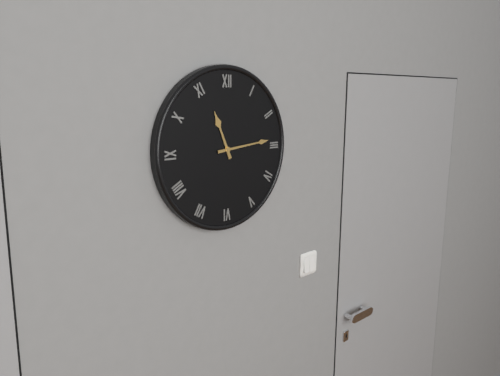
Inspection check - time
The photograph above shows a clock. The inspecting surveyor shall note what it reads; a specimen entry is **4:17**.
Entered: **11:14**
